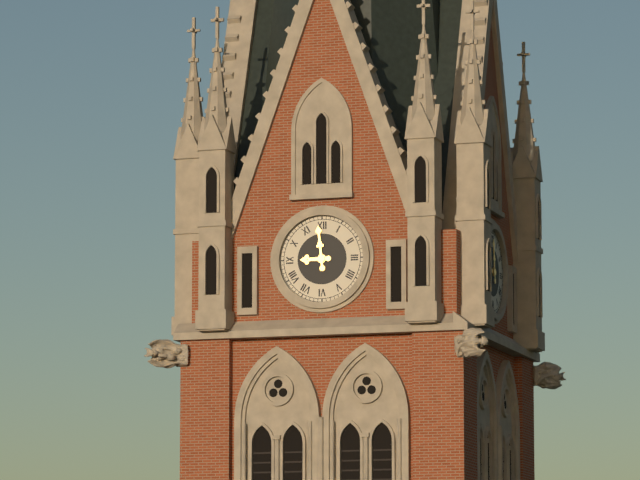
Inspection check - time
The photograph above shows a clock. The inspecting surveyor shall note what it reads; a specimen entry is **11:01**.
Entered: **8:59**
